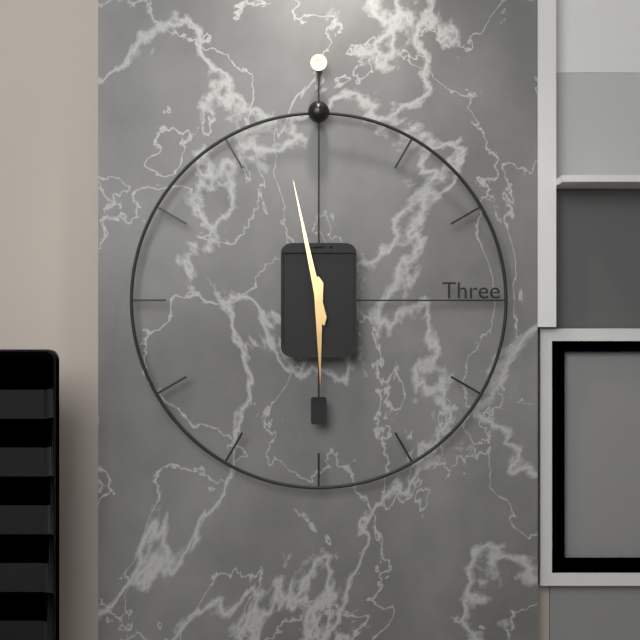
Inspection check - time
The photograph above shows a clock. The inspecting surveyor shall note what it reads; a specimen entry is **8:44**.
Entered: **5:58**
